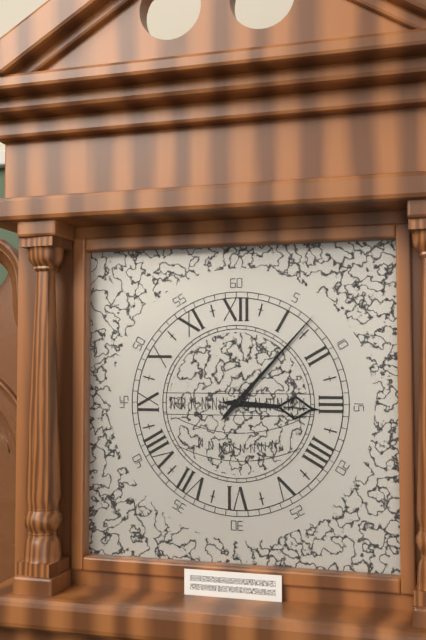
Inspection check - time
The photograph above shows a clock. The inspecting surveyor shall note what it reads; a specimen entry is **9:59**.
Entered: **3:07**
